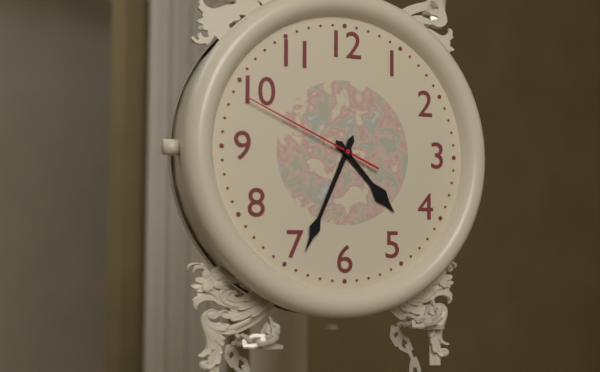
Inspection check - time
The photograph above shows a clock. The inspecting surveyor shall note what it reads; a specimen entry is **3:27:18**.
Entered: **4:34:49**
